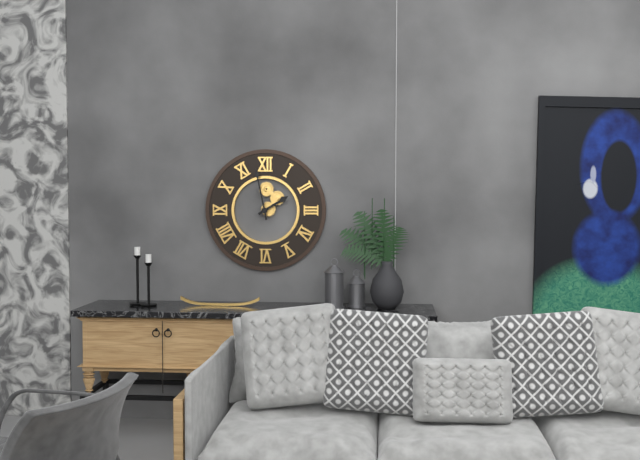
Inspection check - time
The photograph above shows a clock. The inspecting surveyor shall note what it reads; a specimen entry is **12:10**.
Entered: **1:58**
